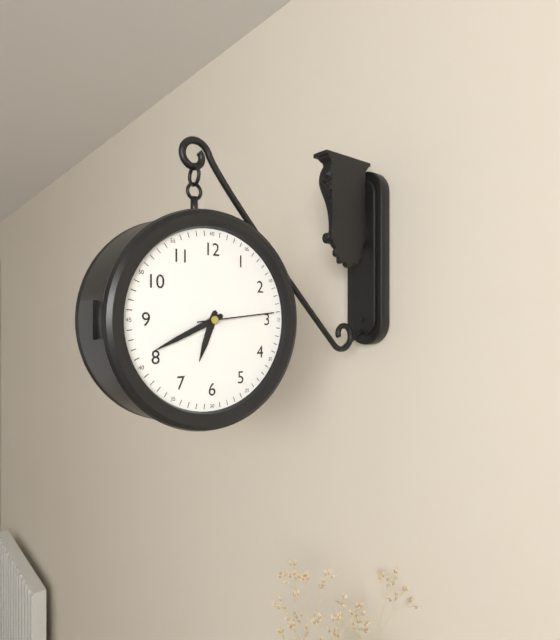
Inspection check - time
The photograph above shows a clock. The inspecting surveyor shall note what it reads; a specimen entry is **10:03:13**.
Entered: **6:41:14**
